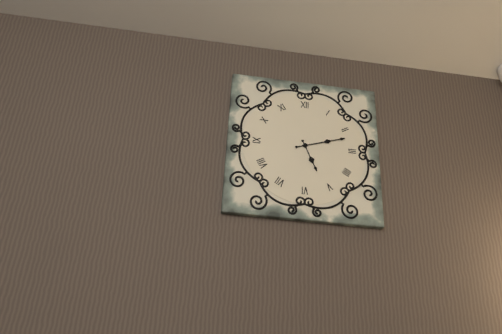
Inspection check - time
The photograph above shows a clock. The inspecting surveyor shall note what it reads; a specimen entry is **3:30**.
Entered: **5:12**
